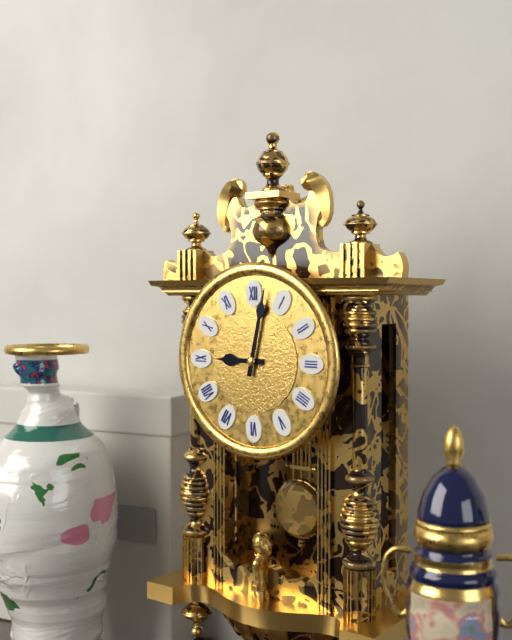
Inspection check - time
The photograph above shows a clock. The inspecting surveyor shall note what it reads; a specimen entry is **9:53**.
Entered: **9:02**
